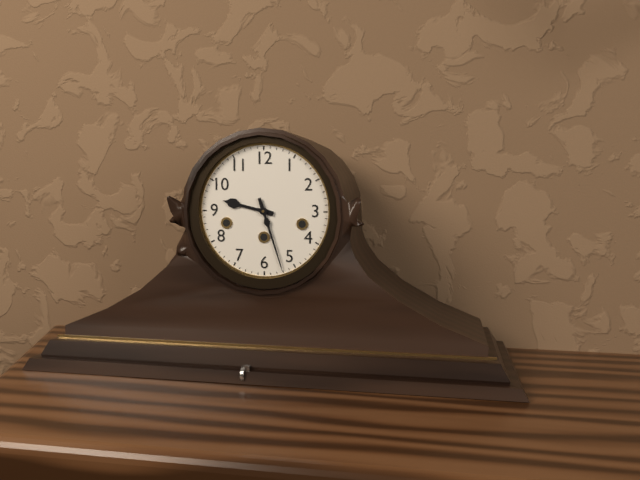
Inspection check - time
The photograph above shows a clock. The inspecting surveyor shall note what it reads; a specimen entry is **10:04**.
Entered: **9:27**
